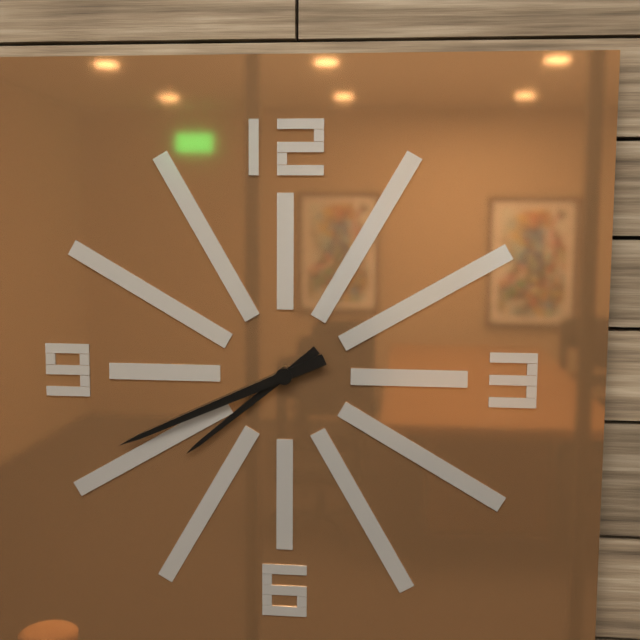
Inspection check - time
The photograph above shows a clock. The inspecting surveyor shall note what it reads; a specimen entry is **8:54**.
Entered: **7:41**
